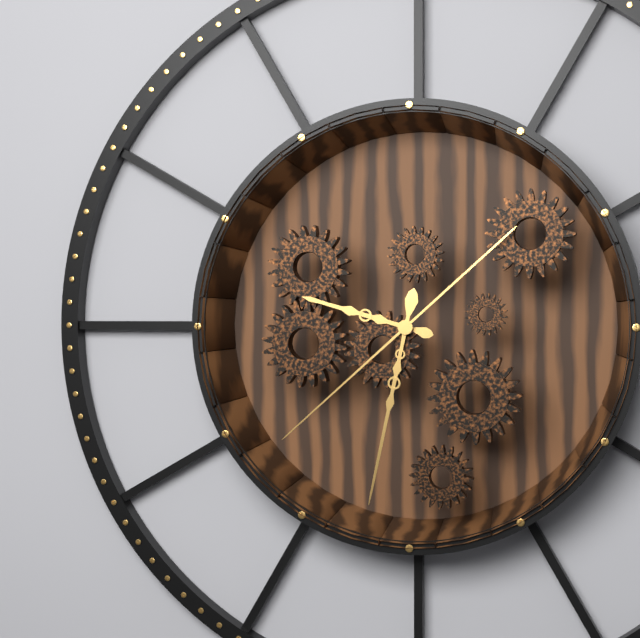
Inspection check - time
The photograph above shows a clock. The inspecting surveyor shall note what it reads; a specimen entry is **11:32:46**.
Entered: **9:32:38**
